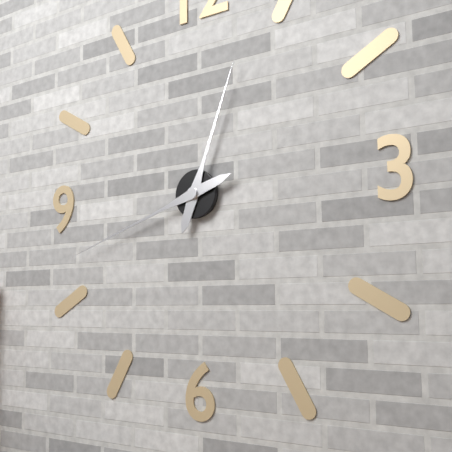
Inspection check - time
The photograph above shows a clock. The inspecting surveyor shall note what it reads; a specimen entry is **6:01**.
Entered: **12:42**
